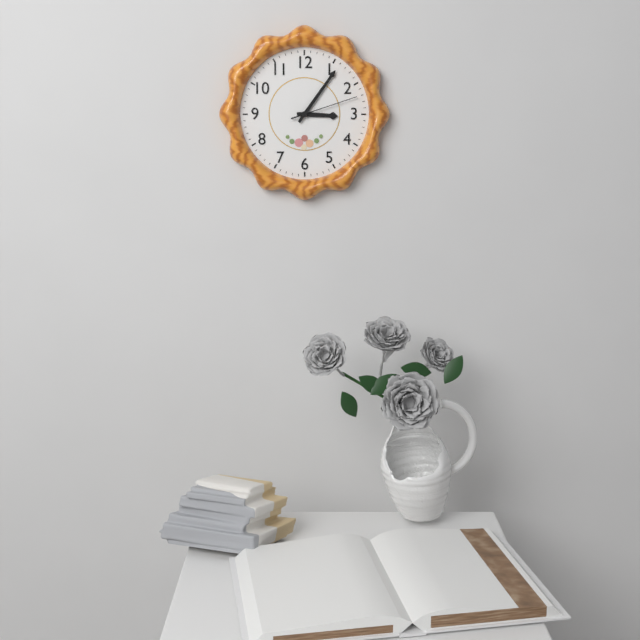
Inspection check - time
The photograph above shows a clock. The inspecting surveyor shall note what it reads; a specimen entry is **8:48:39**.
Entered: **3:06:12**
